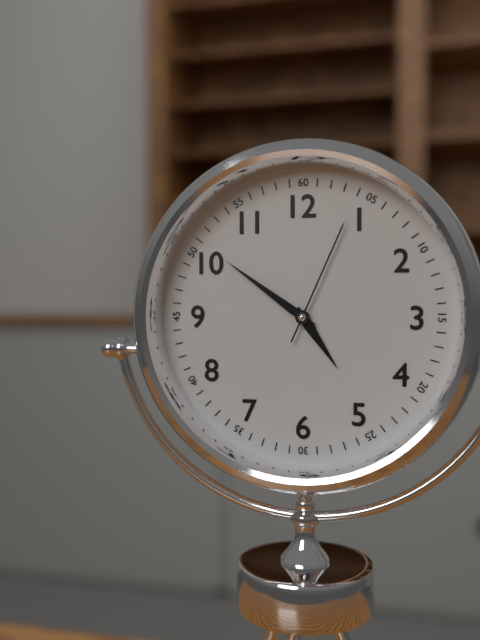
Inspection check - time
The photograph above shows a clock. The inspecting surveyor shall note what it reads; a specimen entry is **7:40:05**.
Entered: **4:51:04**
